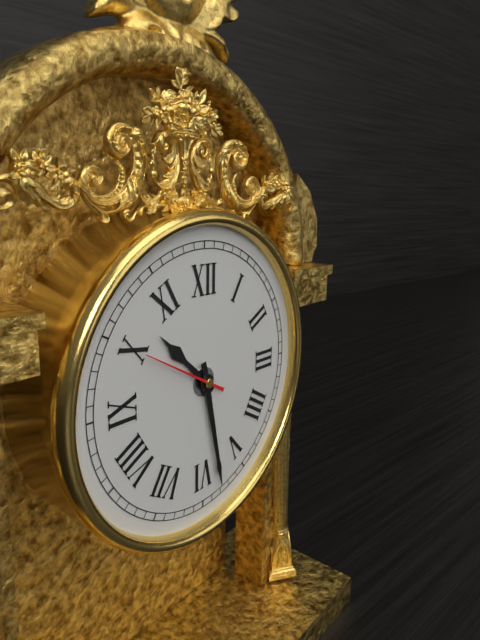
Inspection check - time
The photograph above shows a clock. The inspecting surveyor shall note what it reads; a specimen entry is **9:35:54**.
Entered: **10:28:50**
